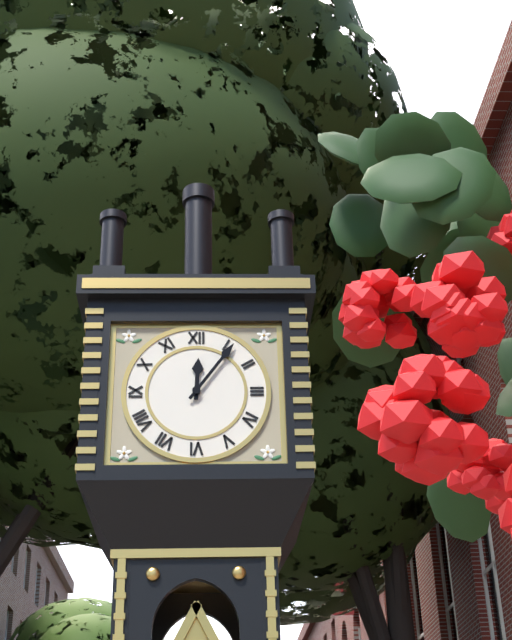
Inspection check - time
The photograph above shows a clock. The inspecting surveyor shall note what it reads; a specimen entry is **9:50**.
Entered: **12:06**
